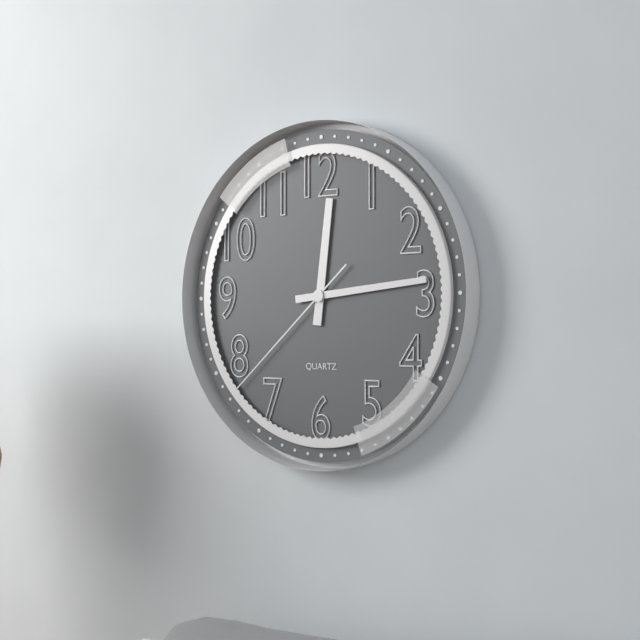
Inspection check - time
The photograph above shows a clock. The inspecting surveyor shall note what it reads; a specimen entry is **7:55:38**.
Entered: **12:14:38**
